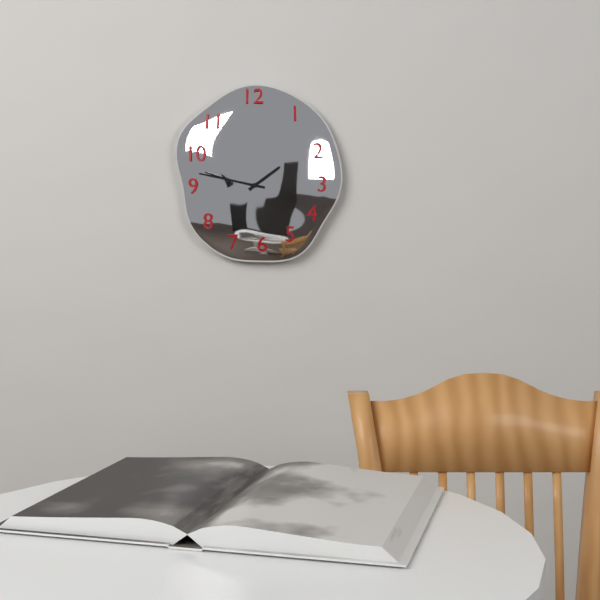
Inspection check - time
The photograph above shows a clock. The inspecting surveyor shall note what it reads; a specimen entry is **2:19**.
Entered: **1:47**
